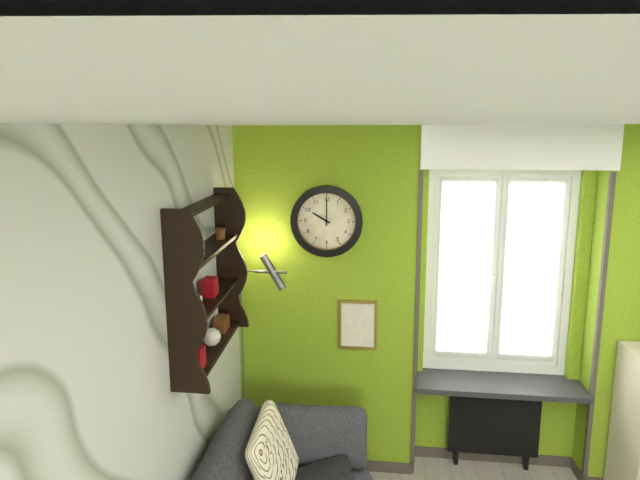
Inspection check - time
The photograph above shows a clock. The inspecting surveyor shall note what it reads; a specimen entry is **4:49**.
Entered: **10:00**
